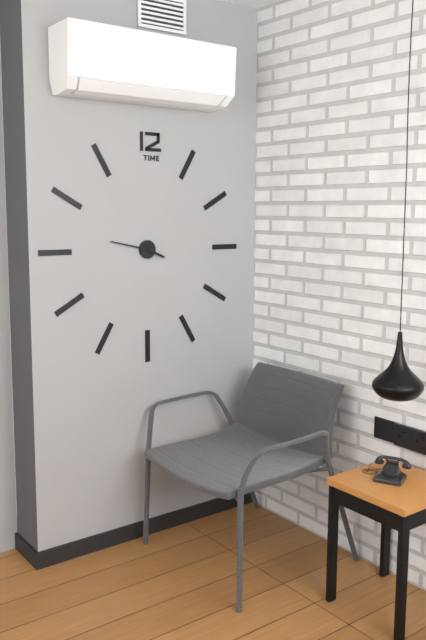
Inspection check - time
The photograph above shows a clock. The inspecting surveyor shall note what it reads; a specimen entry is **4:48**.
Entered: **3:47**
